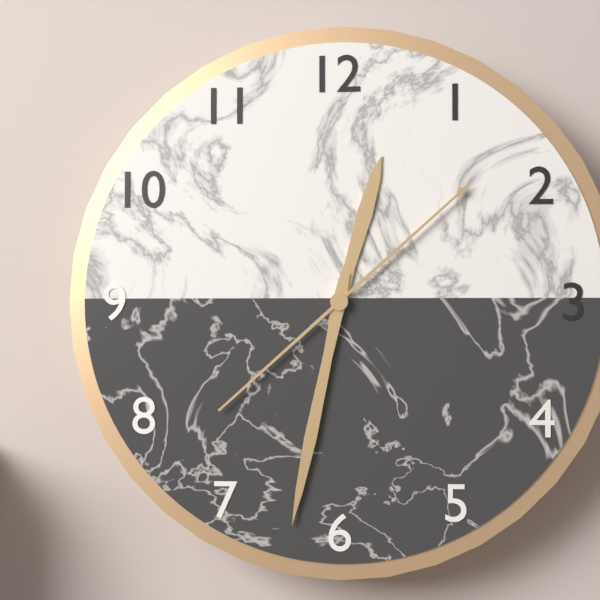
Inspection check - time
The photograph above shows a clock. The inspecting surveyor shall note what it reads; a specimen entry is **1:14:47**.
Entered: **12:32:08**
